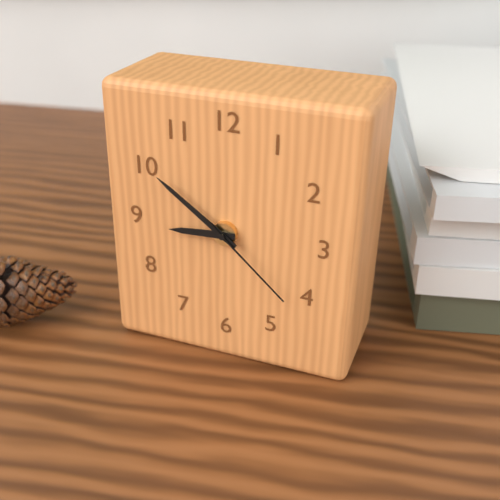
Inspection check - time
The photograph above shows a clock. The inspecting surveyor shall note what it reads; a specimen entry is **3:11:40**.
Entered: **8:51:22**
